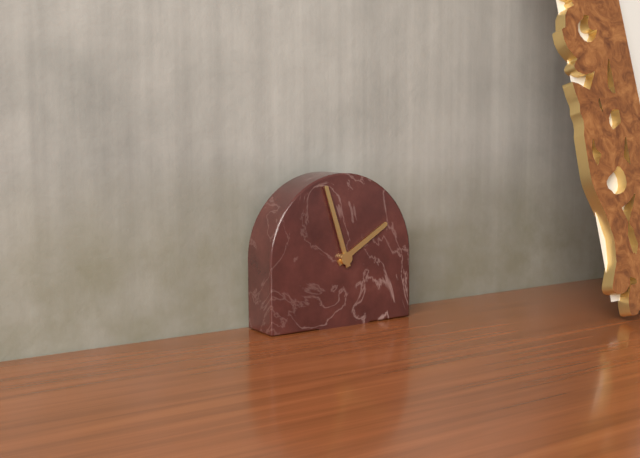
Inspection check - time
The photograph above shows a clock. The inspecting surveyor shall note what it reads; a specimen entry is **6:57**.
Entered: **1:57**
